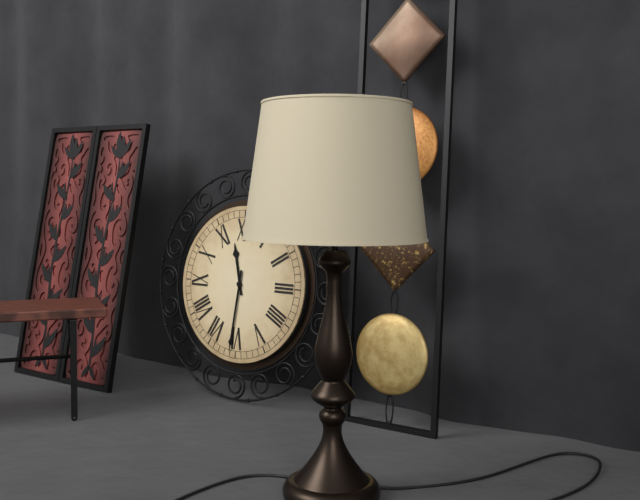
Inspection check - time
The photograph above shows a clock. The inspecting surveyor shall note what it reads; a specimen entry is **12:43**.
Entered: **11:31**
